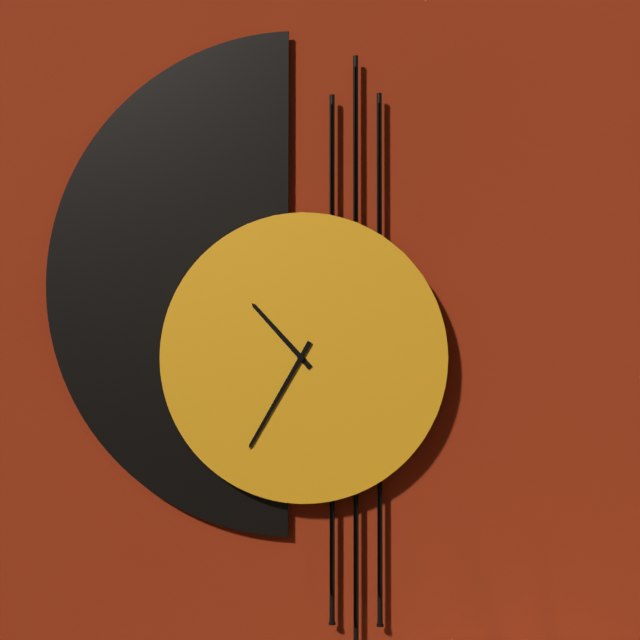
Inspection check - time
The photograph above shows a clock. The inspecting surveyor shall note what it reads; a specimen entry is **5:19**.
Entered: **10:35**
